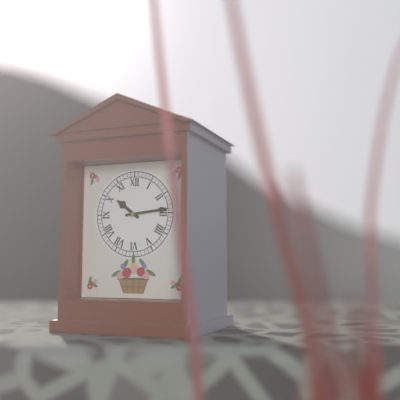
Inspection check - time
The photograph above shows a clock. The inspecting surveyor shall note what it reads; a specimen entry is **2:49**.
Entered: **10:14**
